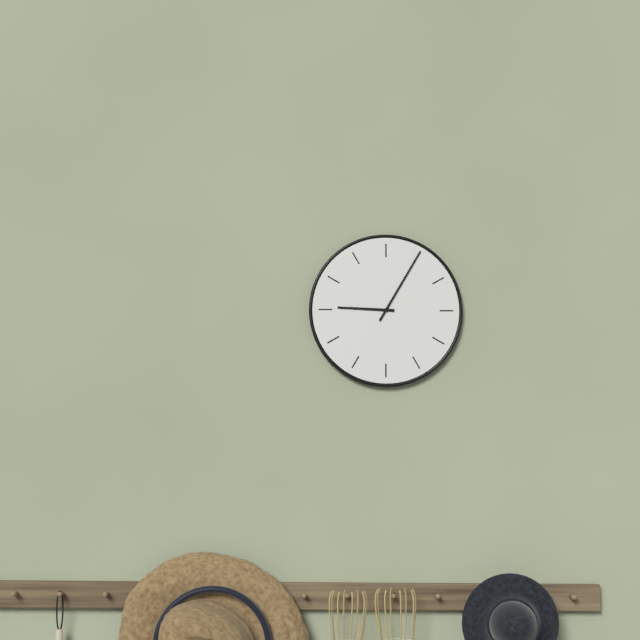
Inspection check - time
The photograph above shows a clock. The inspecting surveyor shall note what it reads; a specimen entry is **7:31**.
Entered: **9:05**
